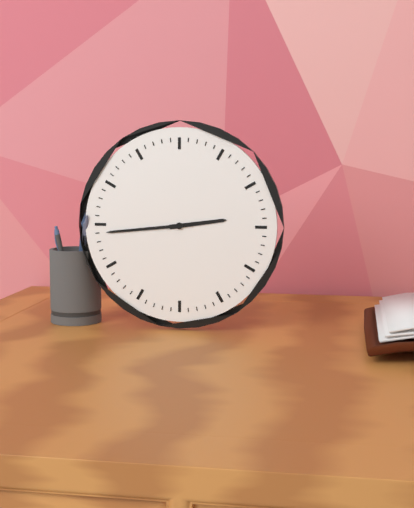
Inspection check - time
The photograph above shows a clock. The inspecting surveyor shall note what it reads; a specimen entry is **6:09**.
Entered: **2:44**
